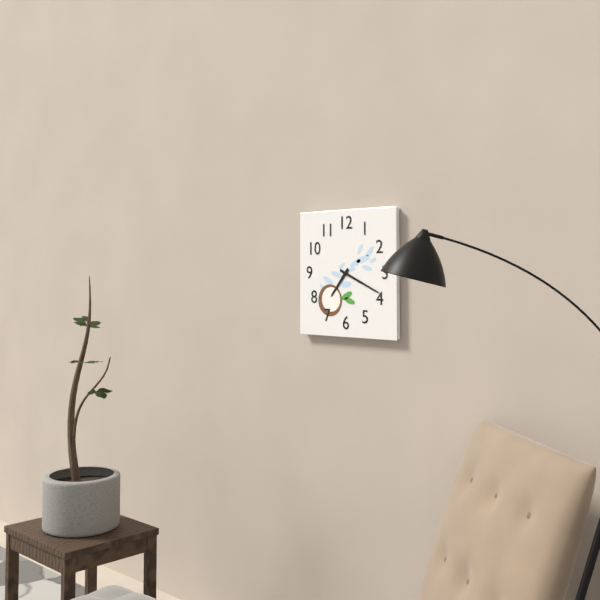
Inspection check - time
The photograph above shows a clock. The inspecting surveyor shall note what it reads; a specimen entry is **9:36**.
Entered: **7:19**
